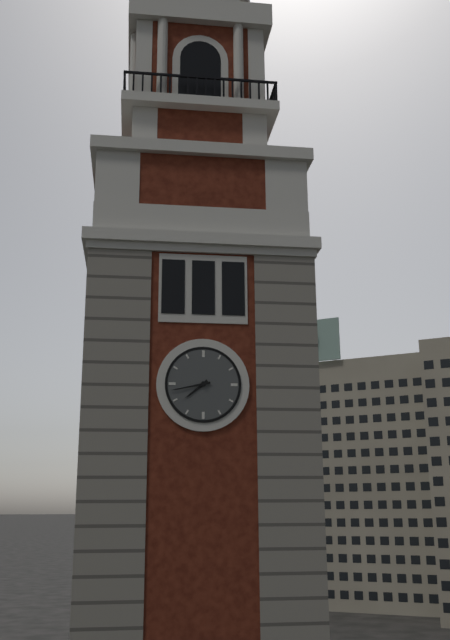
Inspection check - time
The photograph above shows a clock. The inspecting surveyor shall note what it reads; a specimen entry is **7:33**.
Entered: **7:43**
